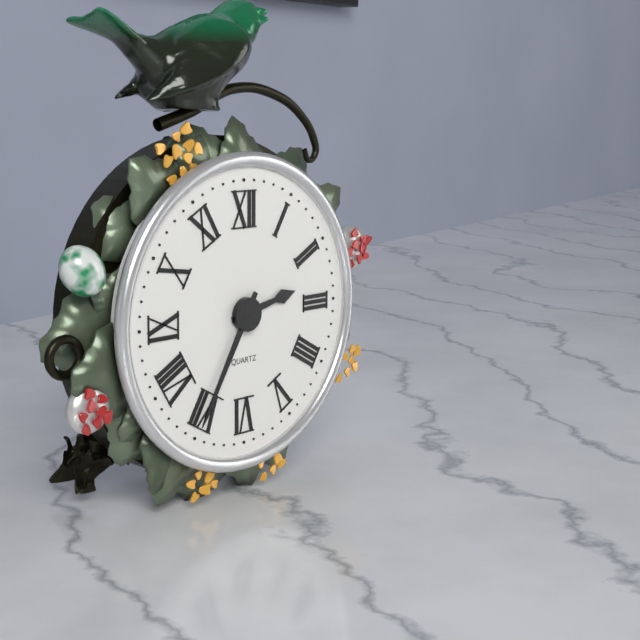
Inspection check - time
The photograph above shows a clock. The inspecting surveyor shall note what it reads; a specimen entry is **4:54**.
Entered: **2:35**
